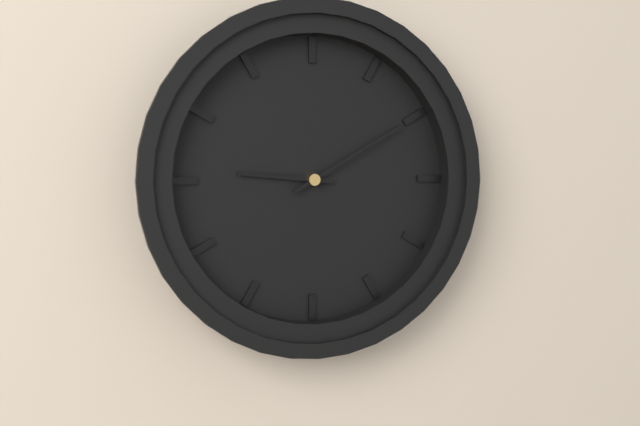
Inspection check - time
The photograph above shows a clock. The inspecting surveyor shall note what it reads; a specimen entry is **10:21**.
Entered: **9:10**
